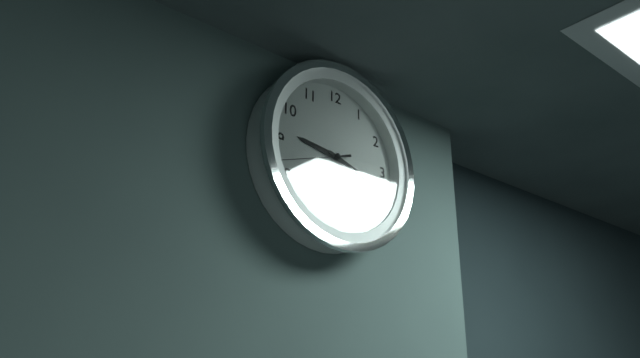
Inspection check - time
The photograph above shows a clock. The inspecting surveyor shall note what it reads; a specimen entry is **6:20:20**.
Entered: **9:18:42**
